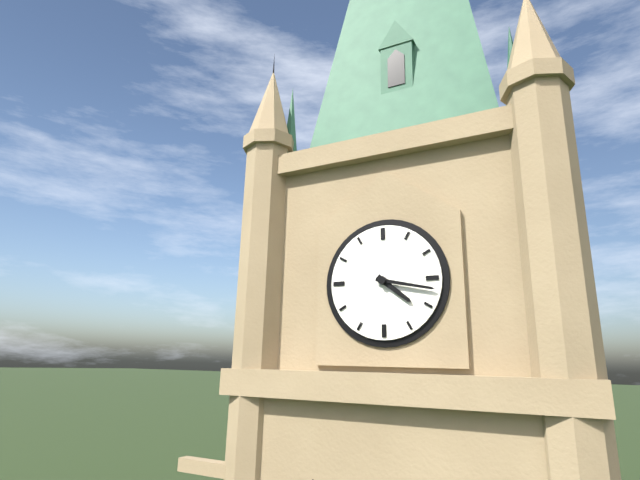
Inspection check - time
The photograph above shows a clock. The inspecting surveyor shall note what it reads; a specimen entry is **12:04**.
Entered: **4:17**
